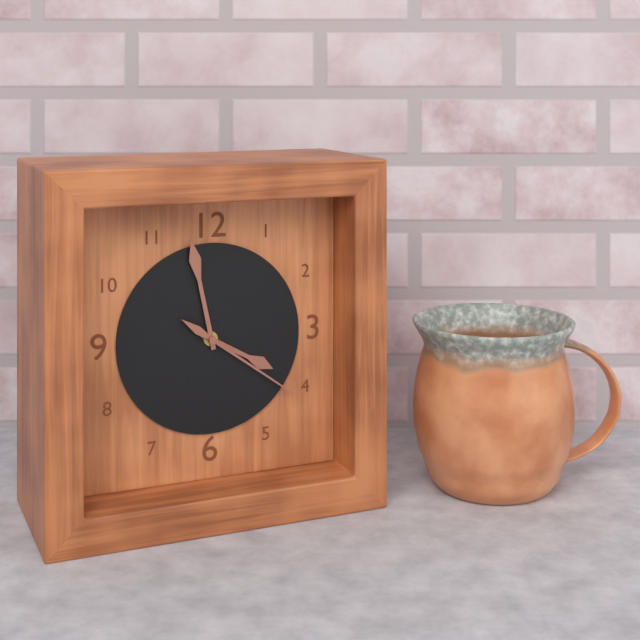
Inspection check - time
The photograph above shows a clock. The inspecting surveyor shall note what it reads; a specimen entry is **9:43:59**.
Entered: **3:58:21**
